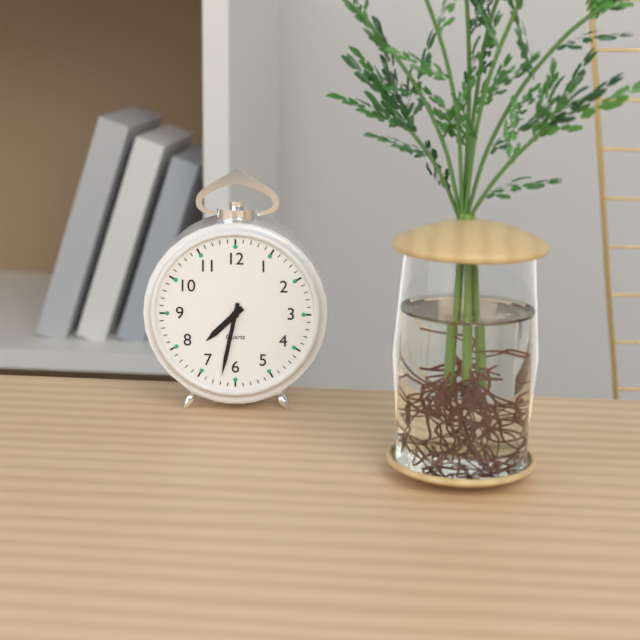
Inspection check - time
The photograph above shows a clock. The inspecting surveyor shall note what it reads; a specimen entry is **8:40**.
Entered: **7:32**
